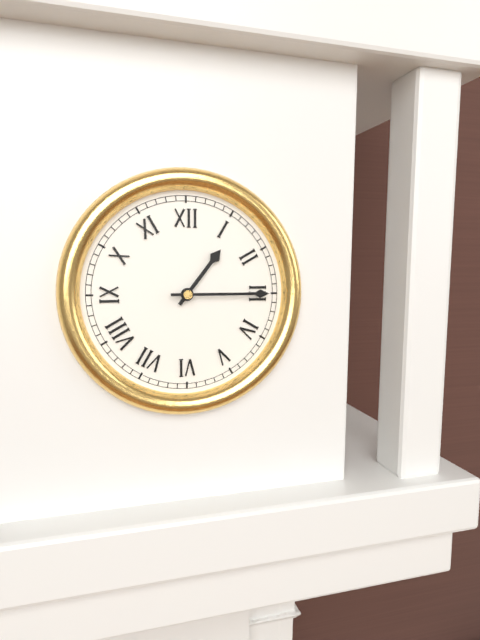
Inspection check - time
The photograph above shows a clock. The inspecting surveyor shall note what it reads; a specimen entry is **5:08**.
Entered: **1:15**
